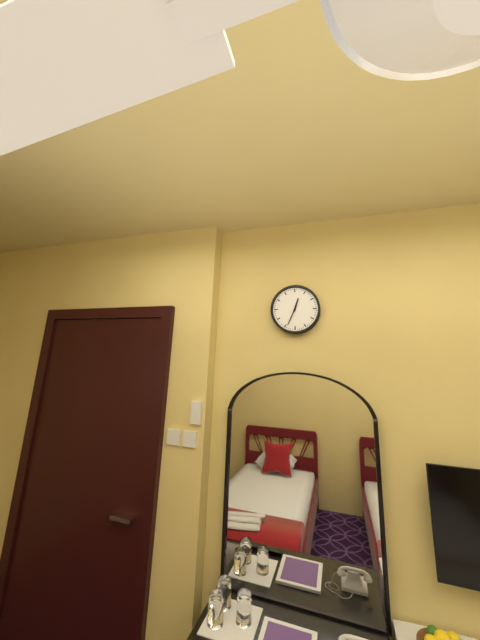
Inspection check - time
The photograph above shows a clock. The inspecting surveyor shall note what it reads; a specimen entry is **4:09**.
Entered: **12:34**
